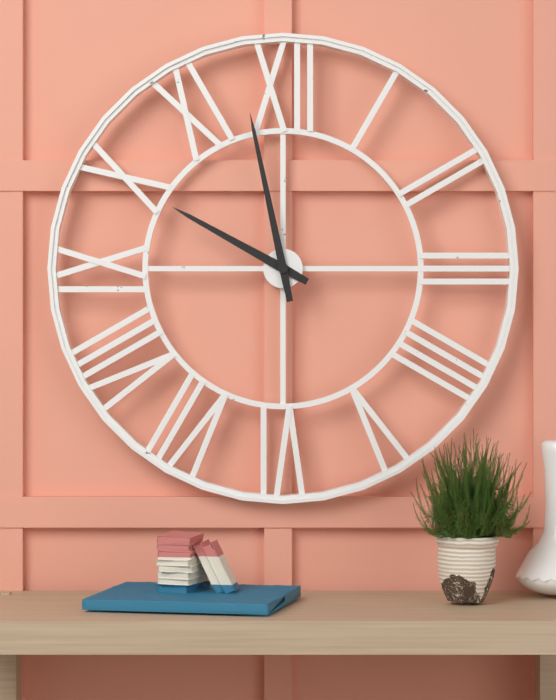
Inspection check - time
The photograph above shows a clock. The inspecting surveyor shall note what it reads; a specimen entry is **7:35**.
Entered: **9:58**
